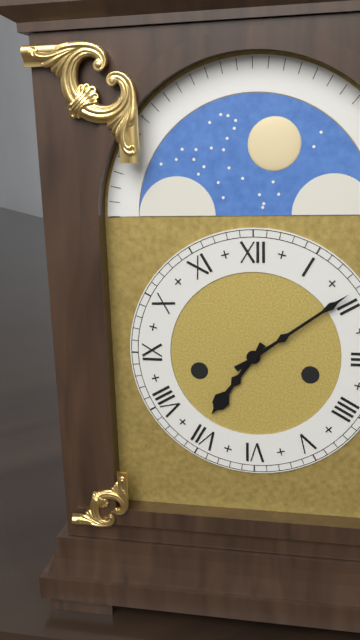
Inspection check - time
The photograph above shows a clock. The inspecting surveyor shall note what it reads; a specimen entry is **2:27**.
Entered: **7:09**
